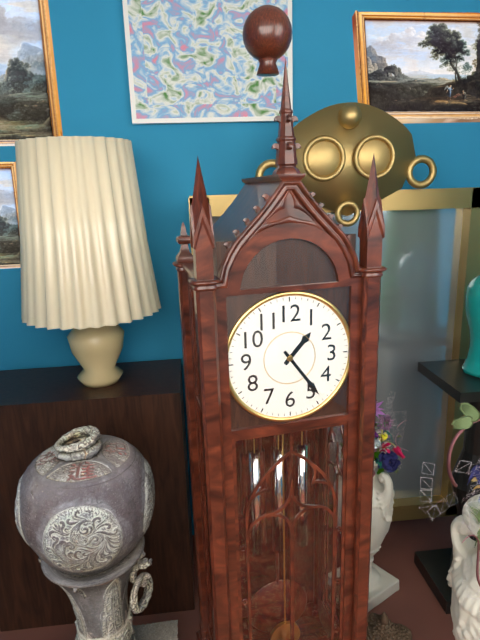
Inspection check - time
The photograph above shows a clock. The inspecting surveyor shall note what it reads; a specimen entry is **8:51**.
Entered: **1:24**
